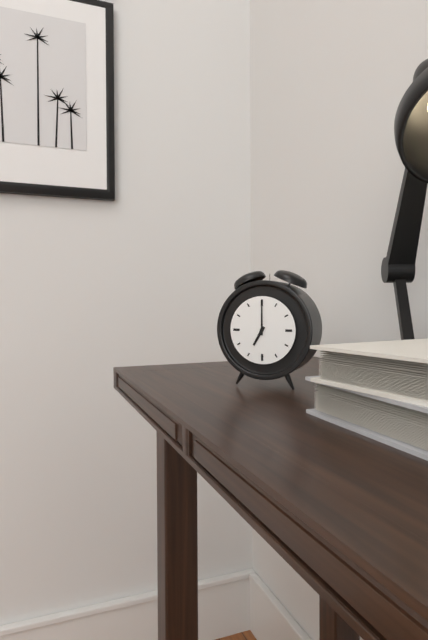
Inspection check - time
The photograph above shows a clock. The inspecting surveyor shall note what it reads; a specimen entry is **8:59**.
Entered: **7:00**
